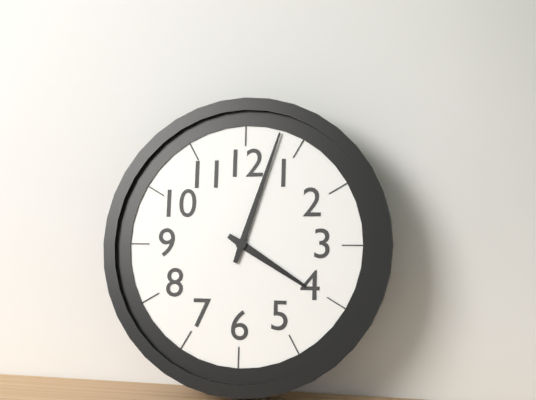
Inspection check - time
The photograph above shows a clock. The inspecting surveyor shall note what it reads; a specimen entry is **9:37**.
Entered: **4:03**
